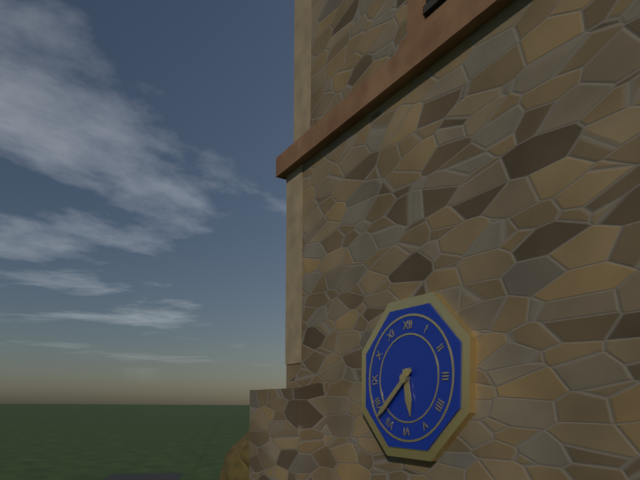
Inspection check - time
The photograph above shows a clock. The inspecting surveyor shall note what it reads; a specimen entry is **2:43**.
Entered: **5:38**
